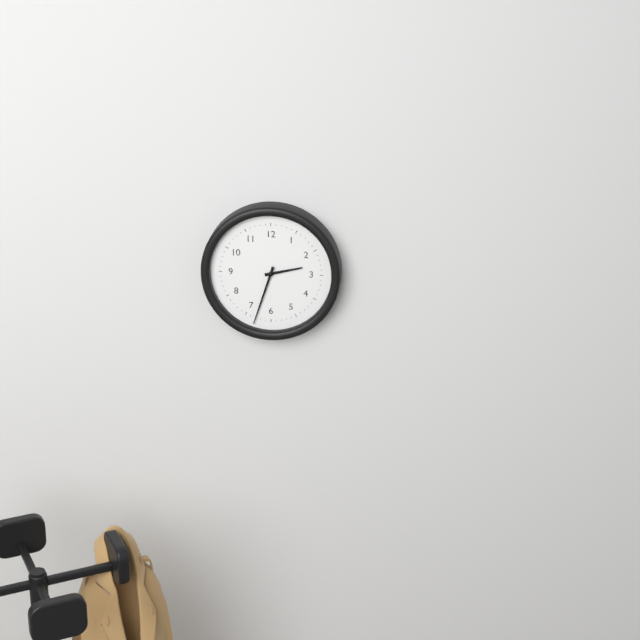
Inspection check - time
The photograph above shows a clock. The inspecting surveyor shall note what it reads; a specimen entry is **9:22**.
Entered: **2:33**
